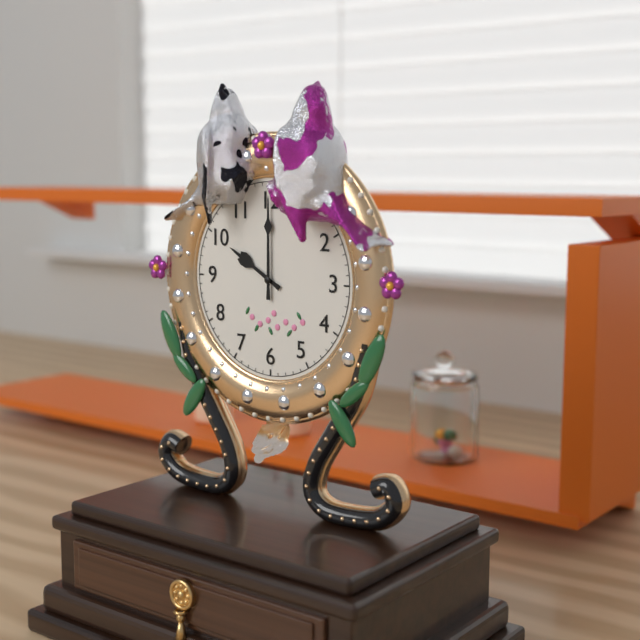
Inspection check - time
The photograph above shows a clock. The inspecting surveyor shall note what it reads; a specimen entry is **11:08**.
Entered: **10:00**
